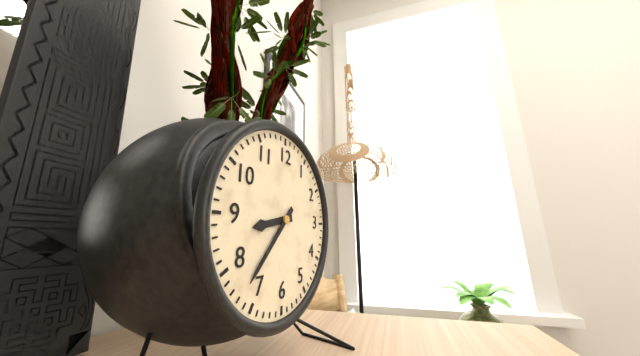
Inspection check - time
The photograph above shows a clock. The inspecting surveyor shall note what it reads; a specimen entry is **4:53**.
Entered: **8:37**
